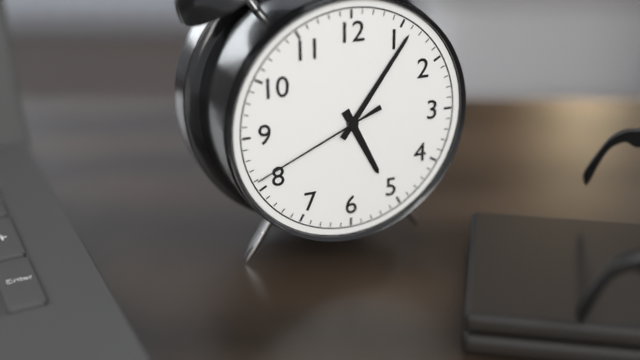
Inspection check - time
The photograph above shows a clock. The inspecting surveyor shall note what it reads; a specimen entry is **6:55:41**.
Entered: **5:06:41**
